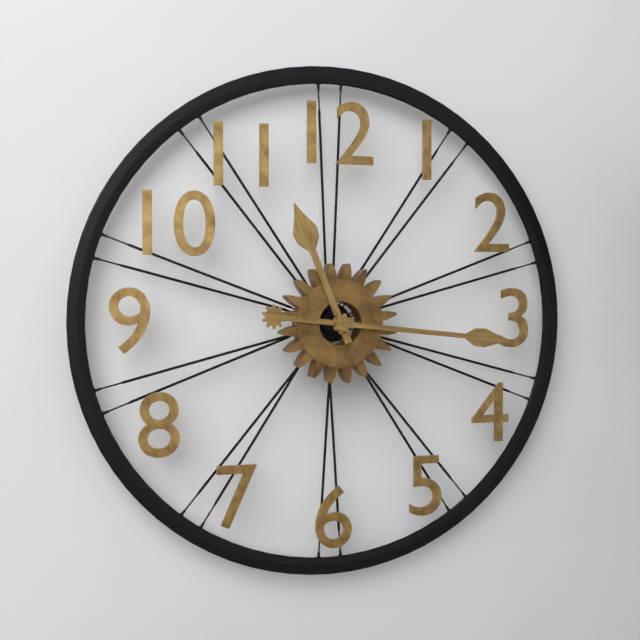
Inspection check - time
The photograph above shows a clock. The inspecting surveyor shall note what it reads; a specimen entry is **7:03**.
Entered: **11:16**
